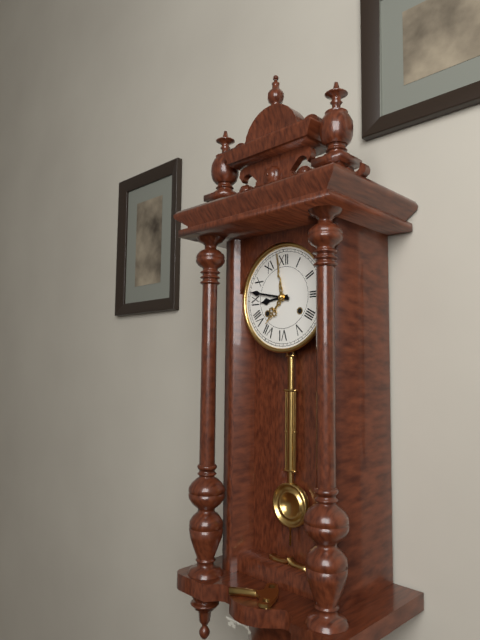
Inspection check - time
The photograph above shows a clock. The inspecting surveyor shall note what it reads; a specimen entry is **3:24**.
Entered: **8:47**
